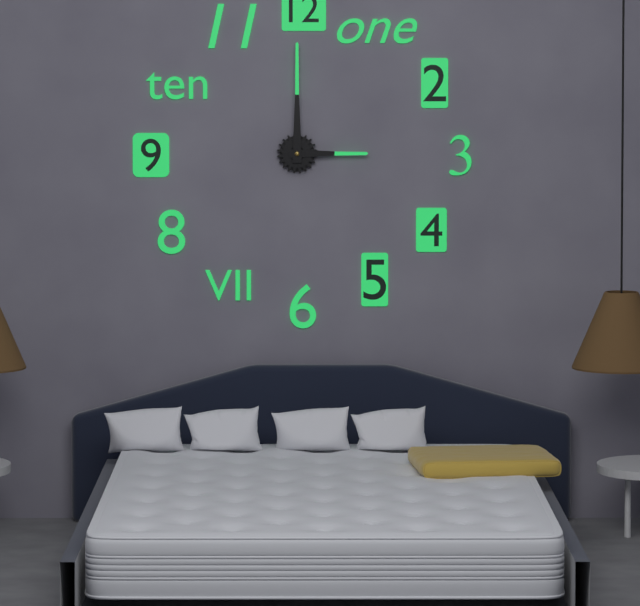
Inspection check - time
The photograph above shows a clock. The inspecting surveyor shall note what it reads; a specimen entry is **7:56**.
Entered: **3:00**
